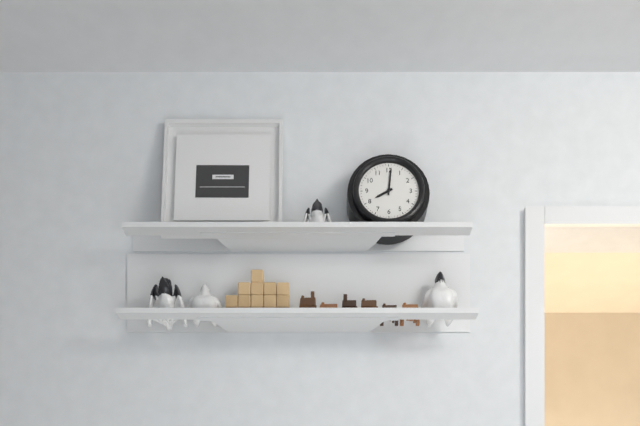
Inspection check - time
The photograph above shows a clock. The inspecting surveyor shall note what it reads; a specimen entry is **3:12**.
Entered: **8:01**
